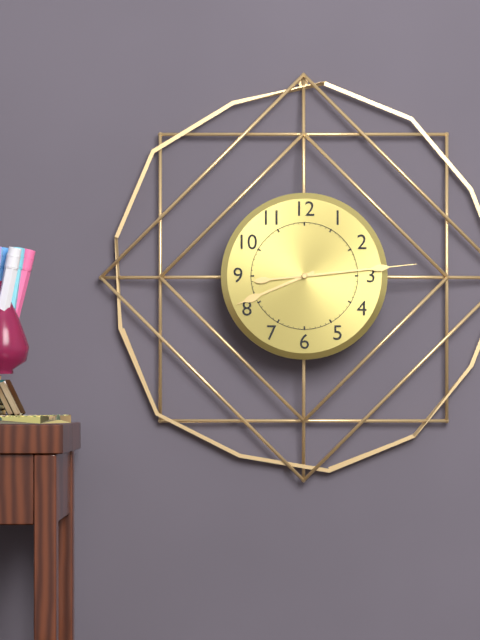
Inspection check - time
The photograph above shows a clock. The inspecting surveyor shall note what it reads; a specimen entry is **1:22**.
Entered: **8:14**
